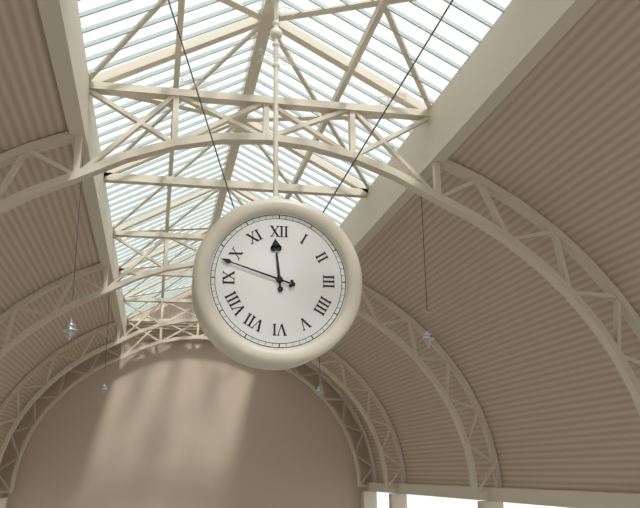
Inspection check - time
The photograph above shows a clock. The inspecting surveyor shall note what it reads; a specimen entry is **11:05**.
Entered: **11:48**
